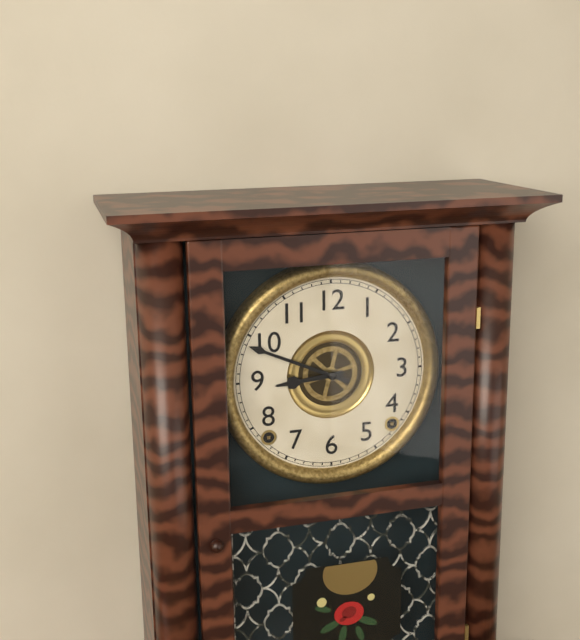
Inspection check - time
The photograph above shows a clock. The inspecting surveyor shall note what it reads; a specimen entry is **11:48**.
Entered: **8:49**
